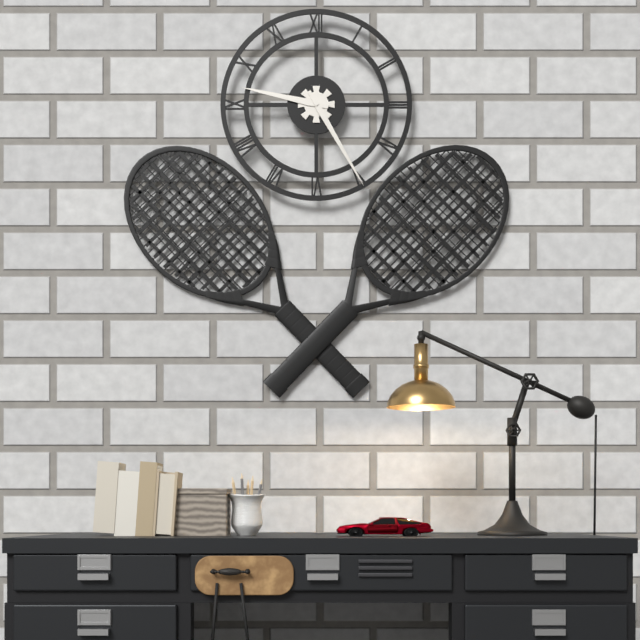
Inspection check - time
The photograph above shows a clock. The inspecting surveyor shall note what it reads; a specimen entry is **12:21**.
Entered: **9:25**
